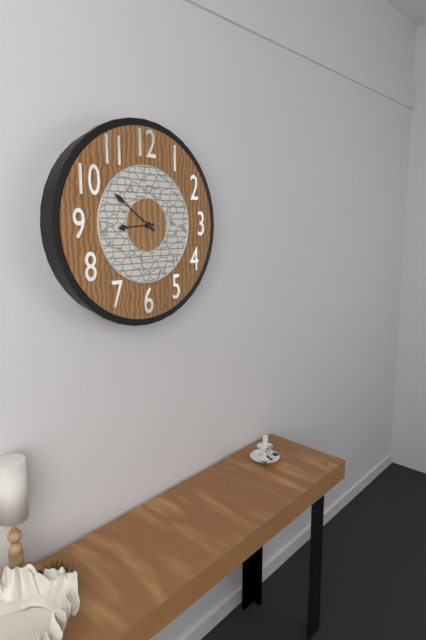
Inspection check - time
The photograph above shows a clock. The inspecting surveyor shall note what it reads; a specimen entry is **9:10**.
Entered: **8:51**
